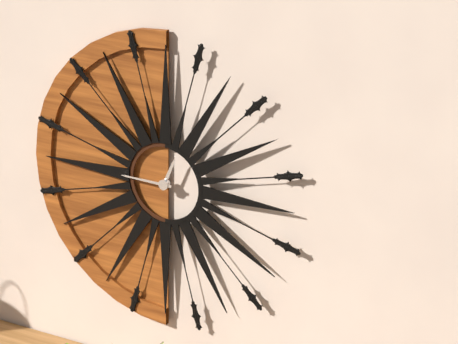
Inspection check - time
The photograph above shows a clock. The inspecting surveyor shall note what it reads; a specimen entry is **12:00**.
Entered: **12:45**
